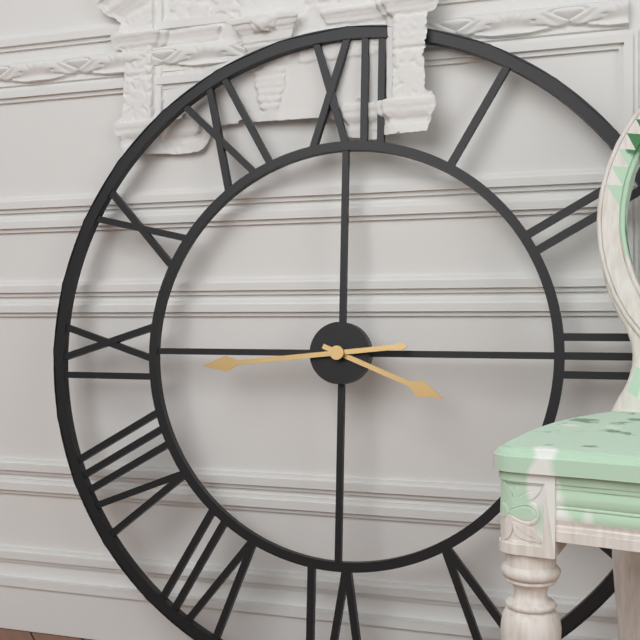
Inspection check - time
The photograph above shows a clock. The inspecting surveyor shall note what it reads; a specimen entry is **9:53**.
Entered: **3:44**
